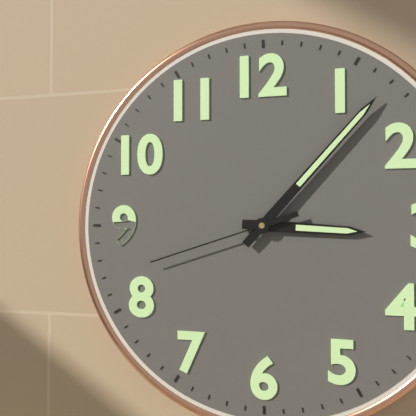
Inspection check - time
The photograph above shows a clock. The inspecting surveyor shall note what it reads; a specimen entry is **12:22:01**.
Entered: **3:07:42**
